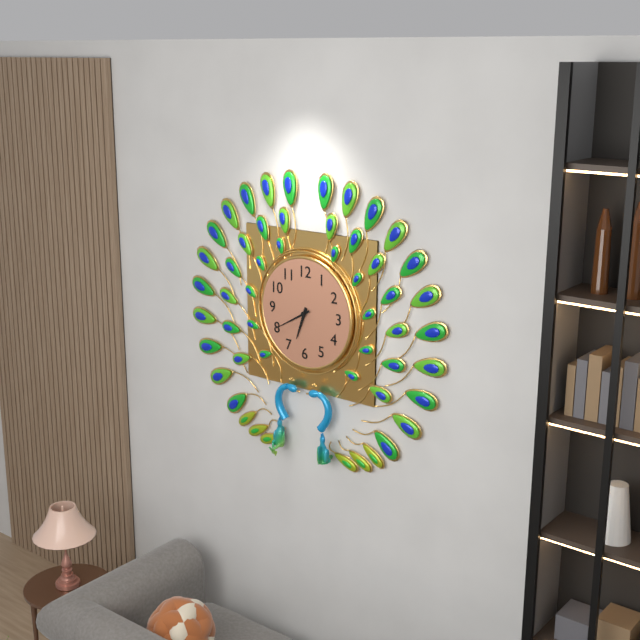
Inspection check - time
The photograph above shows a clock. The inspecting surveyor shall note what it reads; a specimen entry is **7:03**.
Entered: **6:40**
